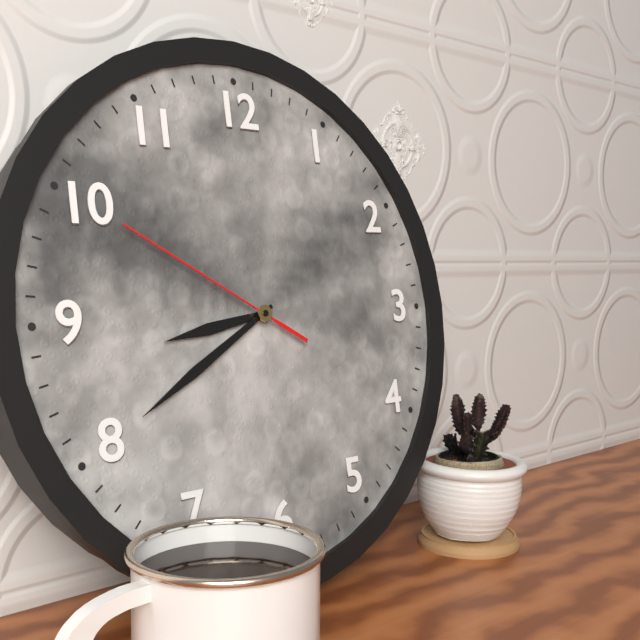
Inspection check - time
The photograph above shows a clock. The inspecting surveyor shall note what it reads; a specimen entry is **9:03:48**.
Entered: **8:40:50**
